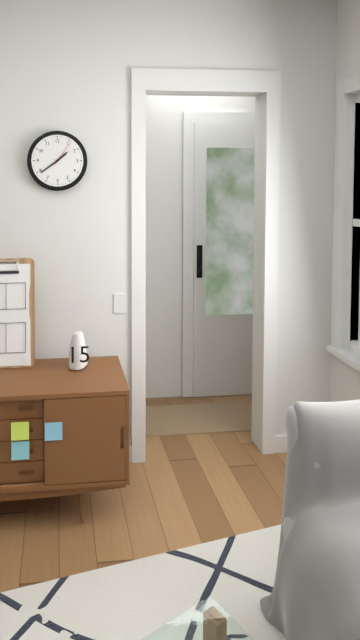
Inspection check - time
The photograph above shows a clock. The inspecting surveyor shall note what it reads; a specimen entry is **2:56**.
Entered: **1:39**
